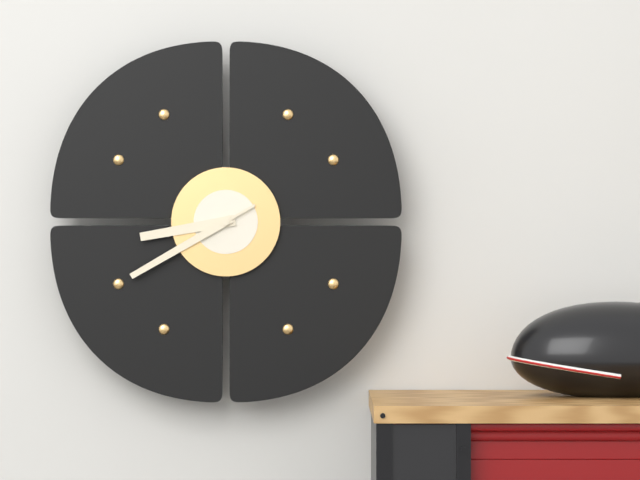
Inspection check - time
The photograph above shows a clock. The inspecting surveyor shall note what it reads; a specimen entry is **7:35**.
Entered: **8:40**
